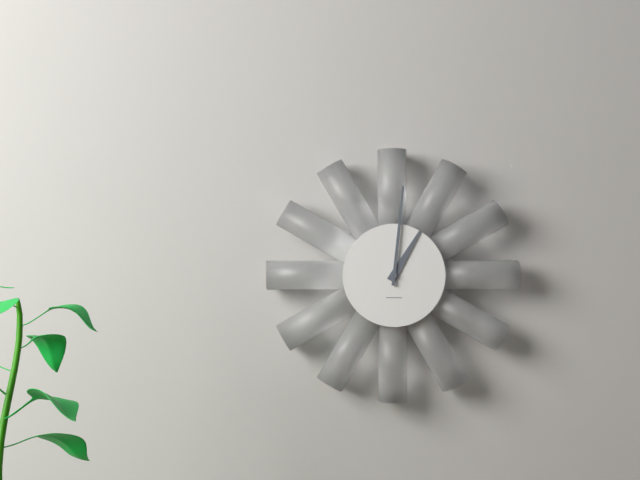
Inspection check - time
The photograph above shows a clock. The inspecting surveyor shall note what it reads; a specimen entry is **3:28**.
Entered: **1:01**
